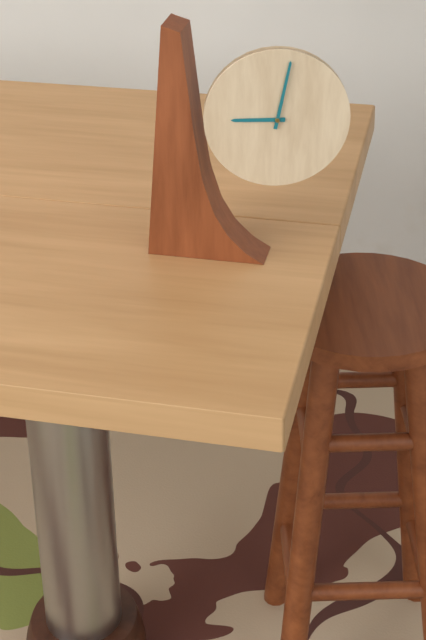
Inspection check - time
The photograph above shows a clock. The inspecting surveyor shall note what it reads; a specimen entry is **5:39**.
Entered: **9:02**
